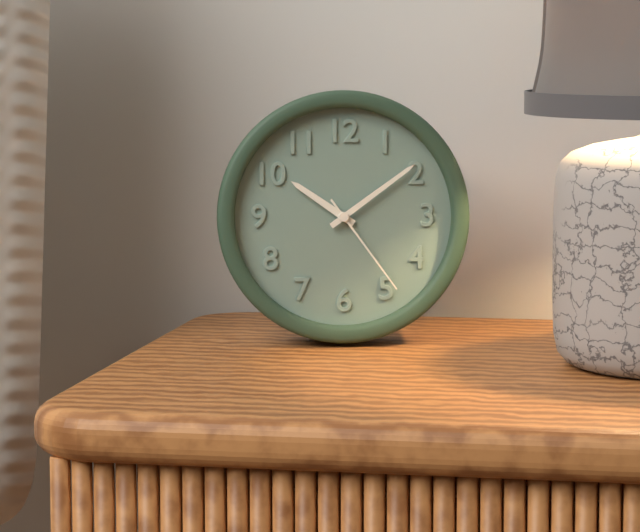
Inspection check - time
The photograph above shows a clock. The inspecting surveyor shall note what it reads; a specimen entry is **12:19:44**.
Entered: **10:09:24**
